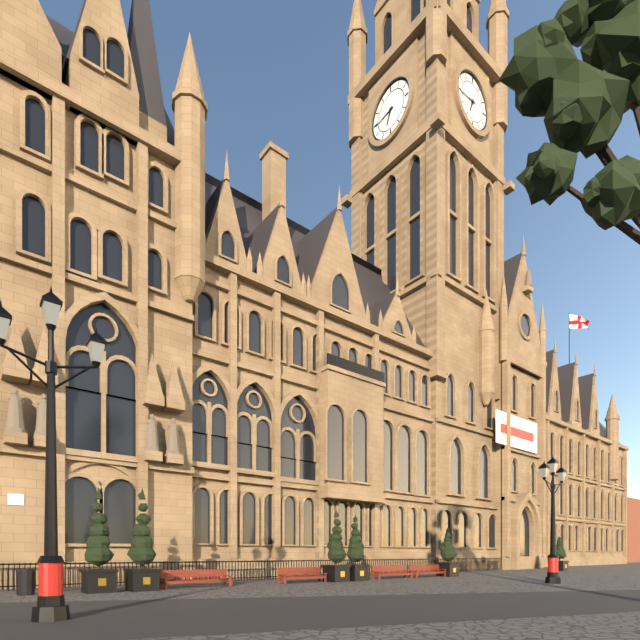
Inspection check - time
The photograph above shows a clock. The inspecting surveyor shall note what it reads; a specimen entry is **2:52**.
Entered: **6:44**
